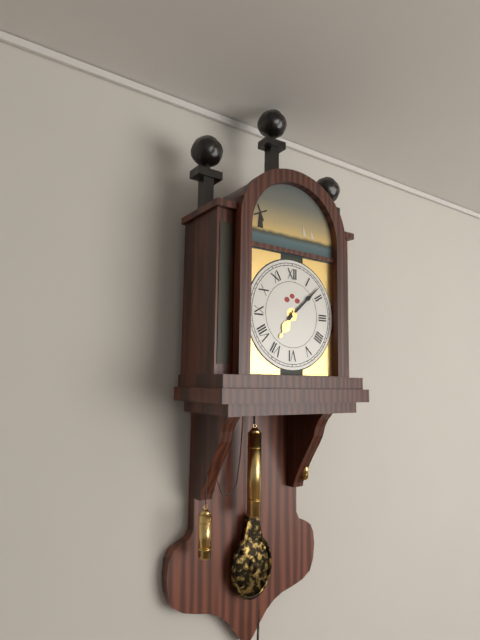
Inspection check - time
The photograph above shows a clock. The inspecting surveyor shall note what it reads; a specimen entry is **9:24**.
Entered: **7:08**
